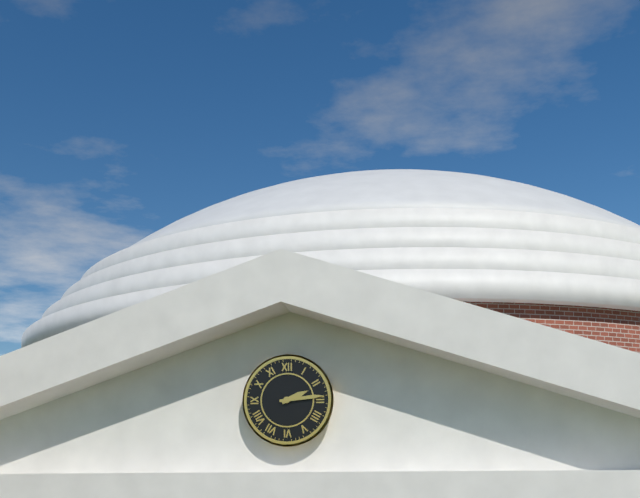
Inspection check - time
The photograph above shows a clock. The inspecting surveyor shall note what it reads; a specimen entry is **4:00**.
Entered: **2:14**
